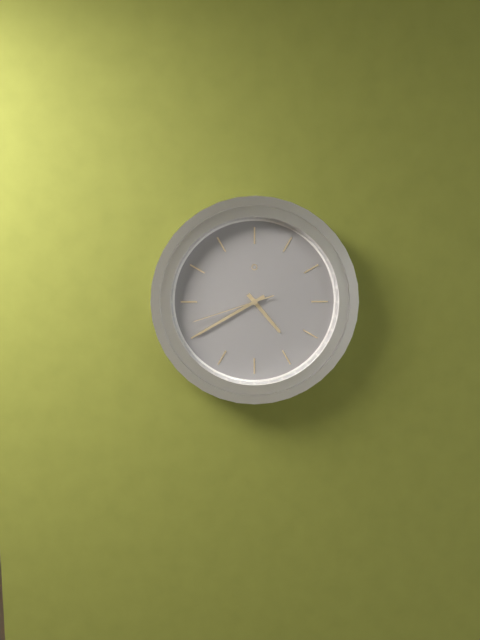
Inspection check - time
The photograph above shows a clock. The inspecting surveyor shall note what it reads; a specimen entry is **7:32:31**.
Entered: **4:40:42**
